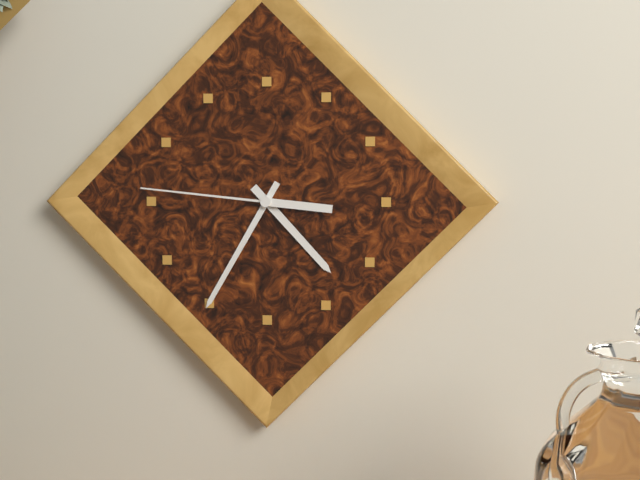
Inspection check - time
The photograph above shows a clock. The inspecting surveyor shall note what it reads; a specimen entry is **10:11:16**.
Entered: **4:35:46**
